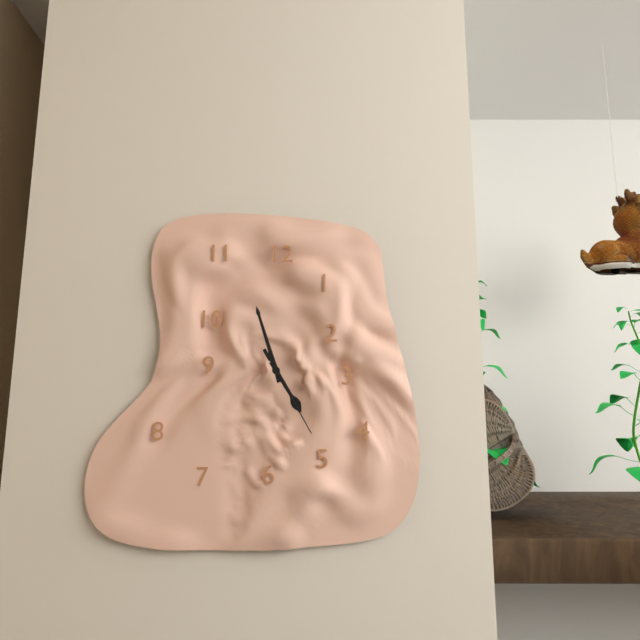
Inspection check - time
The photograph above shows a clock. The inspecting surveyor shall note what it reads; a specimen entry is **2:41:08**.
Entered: **4:57:25**
